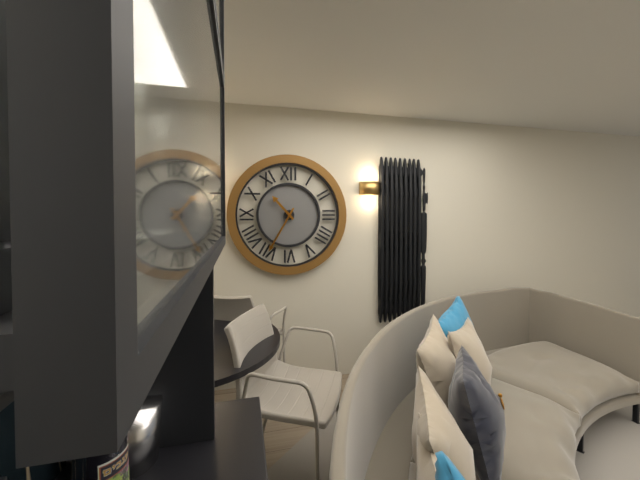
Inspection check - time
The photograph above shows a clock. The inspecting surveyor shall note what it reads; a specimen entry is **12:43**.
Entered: **10:35**
